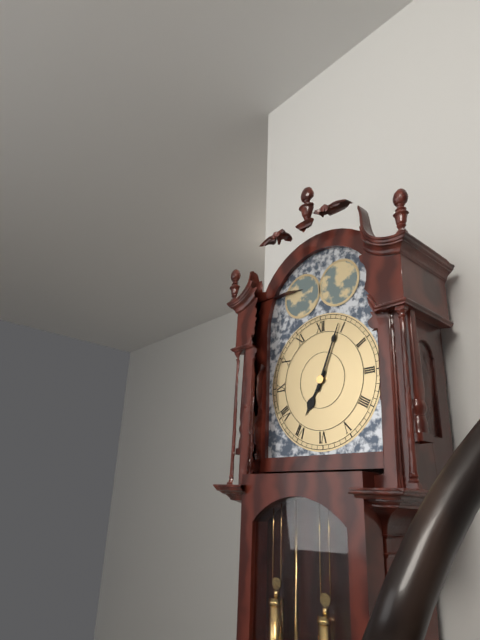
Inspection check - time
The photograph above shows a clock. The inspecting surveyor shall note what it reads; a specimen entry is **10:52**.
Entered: **7:04**
